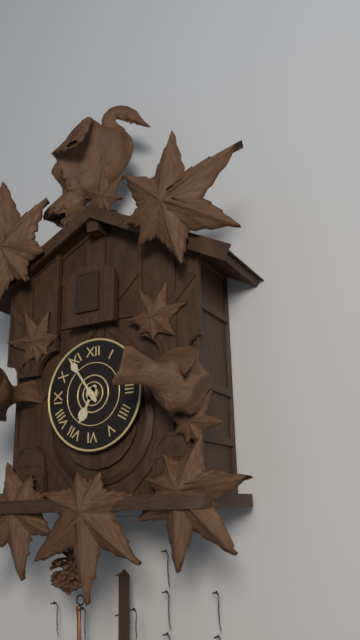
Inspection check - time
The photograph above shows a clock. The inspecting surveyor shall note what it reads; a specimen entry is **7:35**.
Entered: **6:54**
